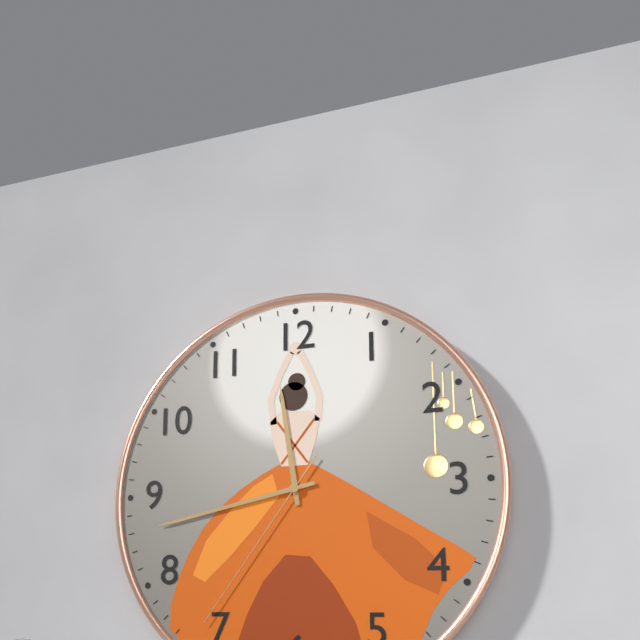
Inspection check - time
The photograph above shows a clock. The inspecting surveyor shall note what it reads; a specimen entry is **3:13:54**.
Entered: **11:43:36**
